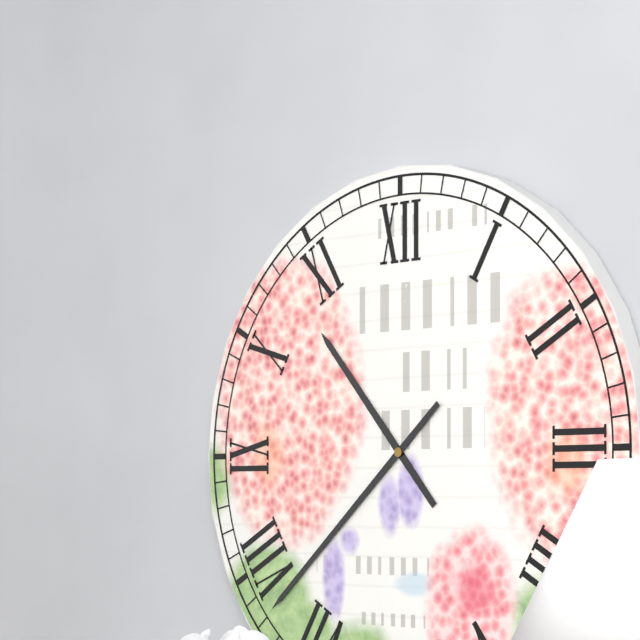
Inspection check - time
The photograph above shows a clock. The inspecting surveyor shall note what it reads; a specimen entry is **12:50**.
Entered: **10:38**
